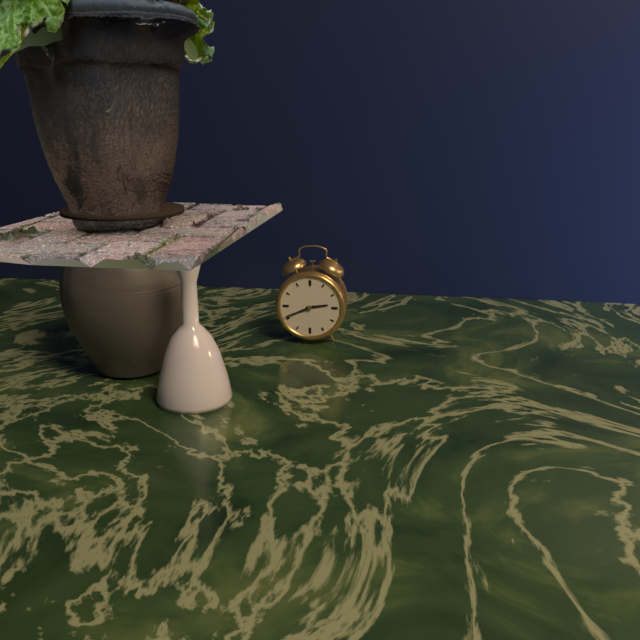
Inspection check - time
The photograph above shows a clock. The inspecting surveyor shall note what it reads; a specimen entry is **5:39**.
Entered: **2:41**
